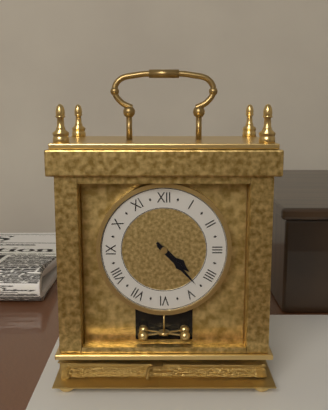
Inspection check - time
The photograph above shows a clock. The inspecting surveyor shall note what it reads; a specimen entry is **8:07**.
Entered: **4:23**
